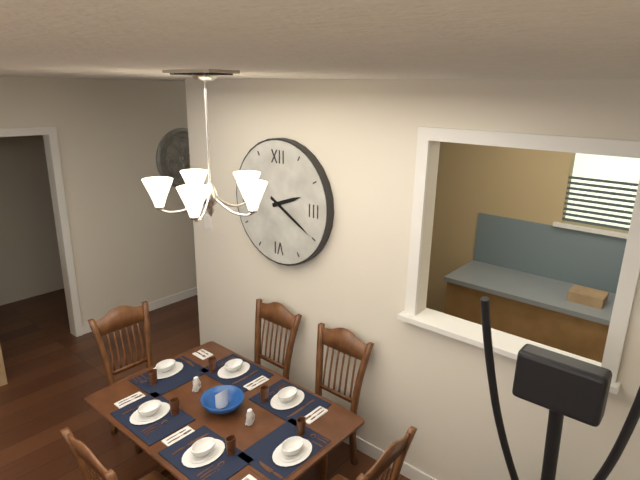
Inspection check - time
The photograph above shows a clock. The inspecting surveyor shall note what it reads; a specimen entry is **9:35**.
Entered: **2:20**
